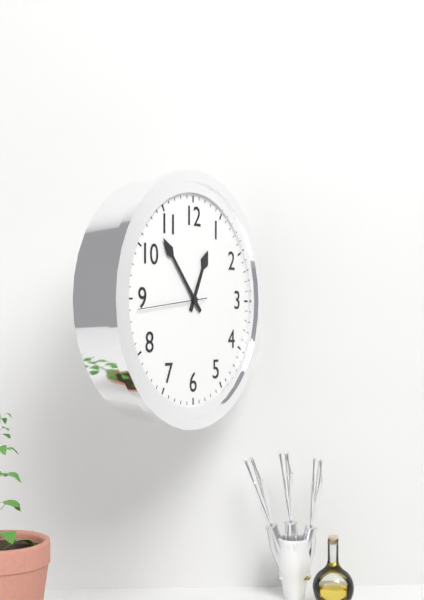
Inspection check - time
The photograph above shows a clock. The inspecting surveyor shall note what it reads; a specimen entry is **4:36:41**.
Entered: **12:53:44**
